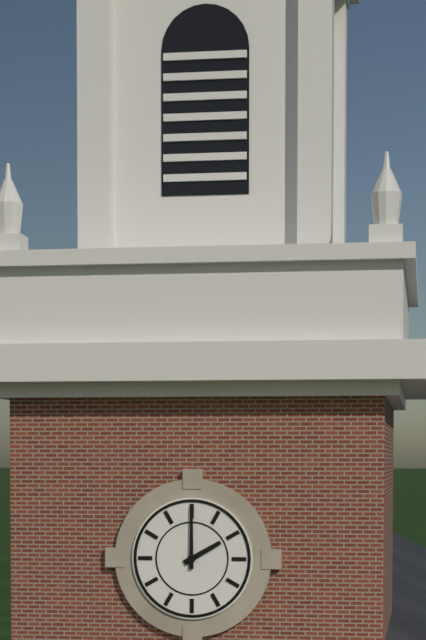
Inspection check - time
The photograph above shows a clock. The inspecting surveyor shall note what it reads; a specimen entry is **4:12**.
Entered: **2:00**
